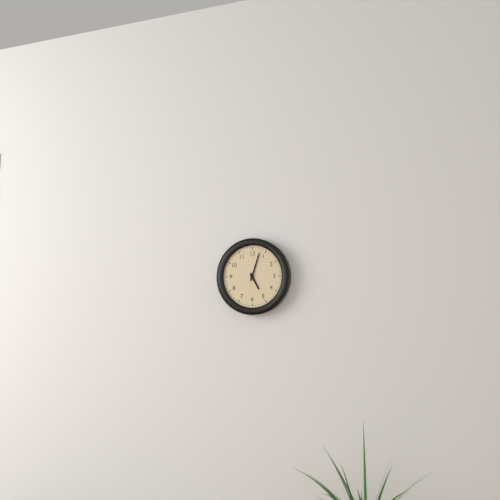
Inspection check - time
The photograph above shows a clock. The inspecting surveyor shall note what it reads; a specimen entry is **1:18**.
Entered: **5:03**
